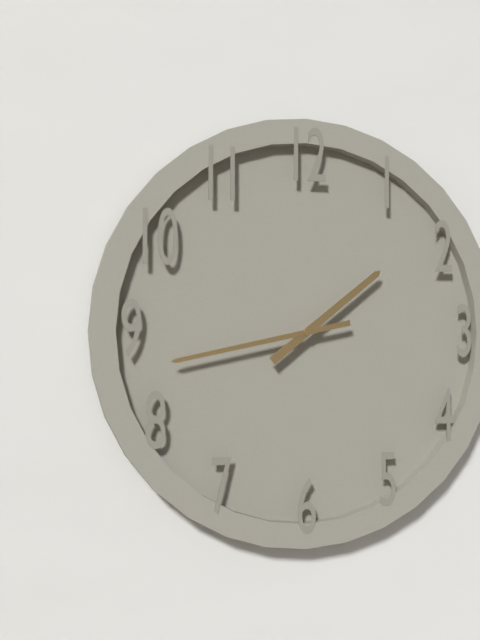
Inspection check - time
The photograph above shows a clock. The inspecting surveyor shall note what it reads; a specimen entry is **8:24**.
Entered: **1:43**
